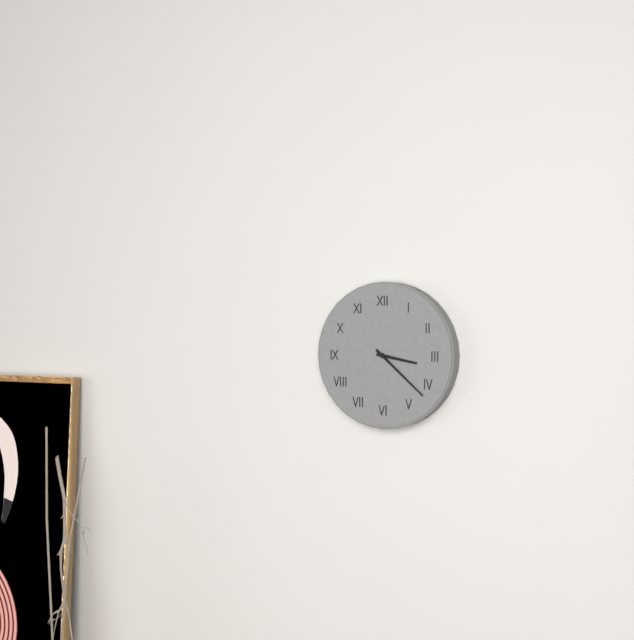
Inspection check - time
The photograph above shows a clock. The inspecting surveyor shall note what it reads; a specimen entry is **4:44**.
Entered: **3:22**
